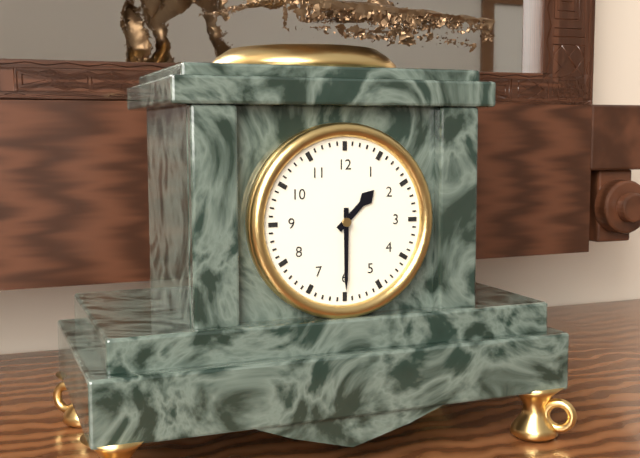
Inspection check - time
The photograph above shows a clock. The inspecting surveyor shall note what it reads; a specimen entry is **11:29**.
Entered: **1:30**
